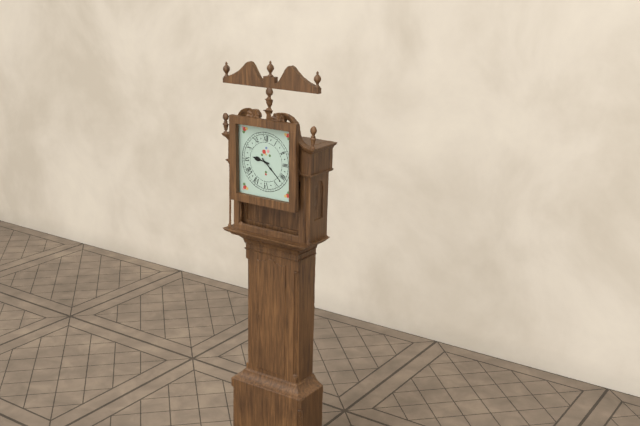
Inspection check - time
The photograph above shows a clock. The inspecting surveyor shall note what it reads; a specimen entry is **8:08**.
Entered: **9:22**
